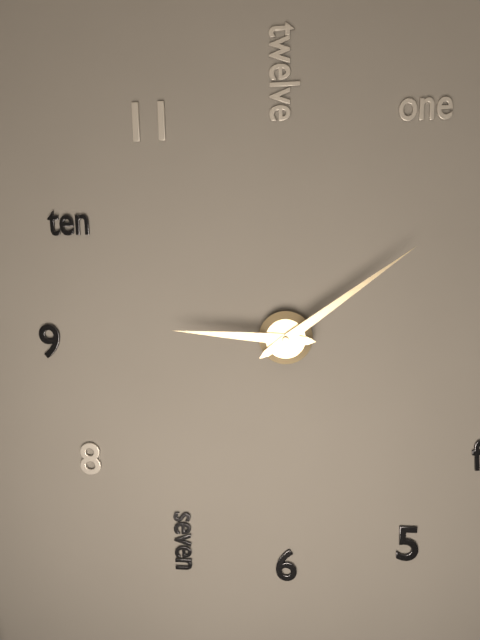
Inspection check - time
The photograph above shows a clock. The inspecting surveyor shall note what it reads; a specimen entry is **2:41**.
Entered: **9:09**
